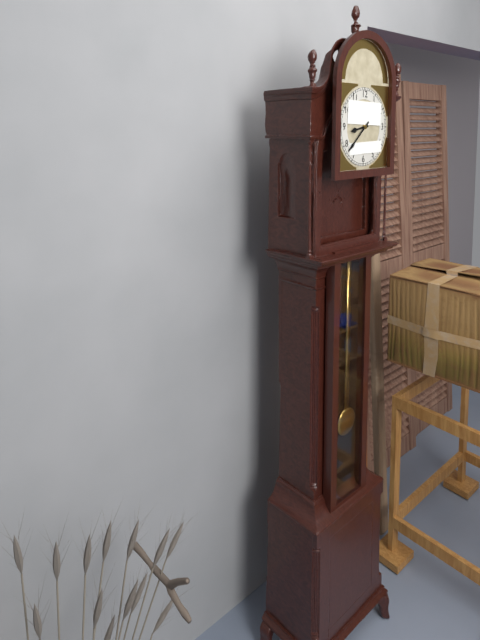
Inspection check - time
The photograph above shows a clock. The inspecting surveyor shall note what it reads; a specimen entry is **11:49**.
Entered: **8:38**
